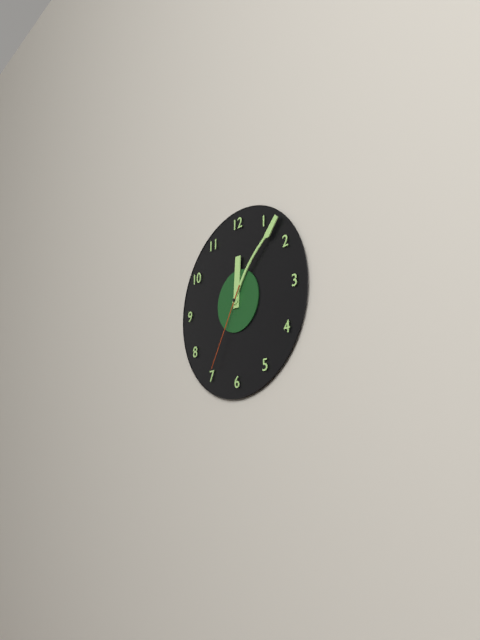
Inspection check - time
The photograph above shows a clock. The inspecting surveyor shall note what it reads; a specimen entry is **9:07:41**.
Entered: **12:07:35**
